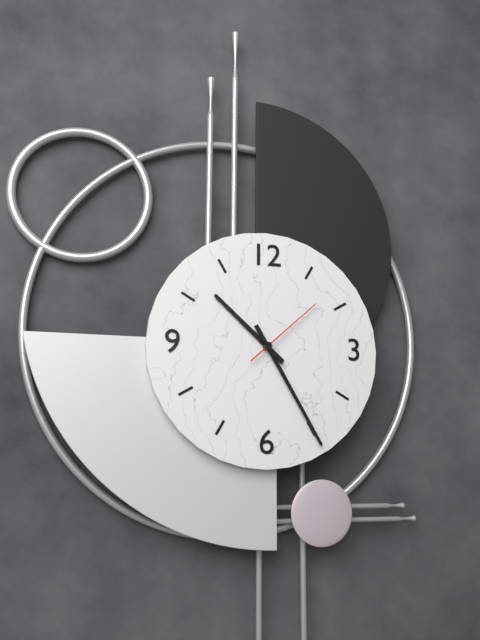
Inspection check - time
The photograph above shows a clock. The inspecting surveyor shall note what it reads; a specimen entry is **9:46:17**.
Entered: **10:25:08**
